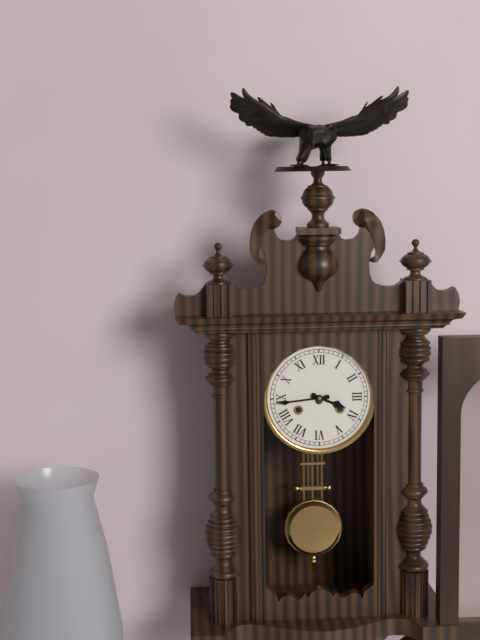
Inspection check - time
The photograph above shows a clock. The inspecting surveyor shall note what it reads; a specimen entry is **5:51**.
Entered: **3:44**
